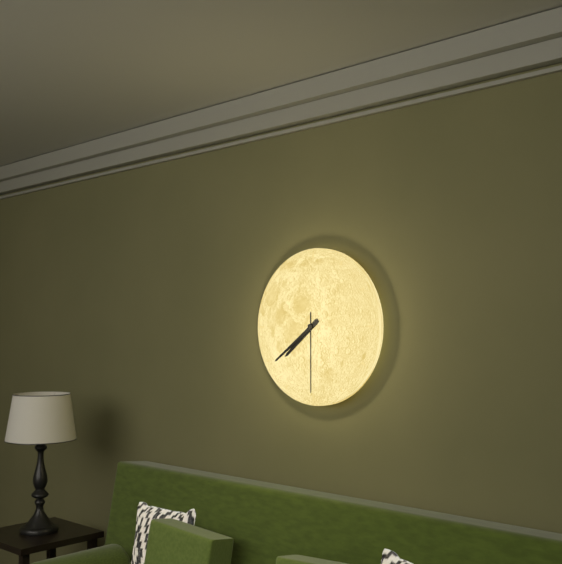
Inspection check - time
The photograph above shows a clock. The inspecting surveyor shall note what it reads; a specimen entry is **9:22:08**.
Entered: **7:39:30**
